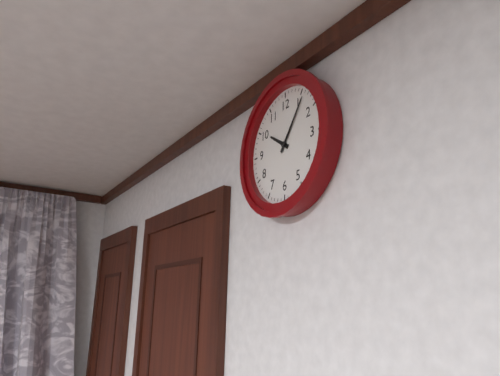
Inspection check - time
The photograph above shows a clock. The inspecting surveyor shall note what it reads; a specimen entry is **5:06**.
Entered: **10:06**
